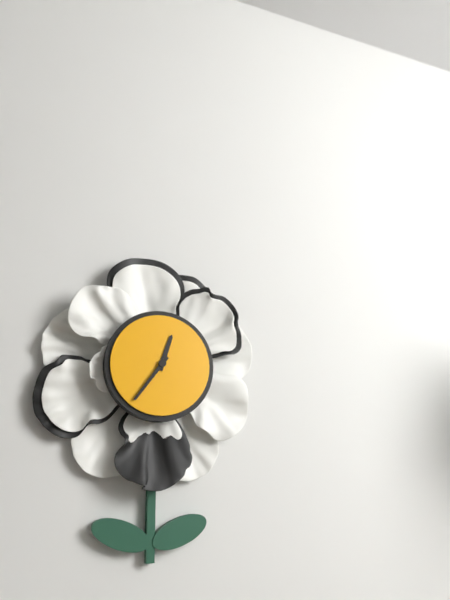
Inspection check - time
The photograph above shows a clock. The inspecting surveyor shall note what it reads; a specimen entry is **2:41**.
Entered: **12:36**
